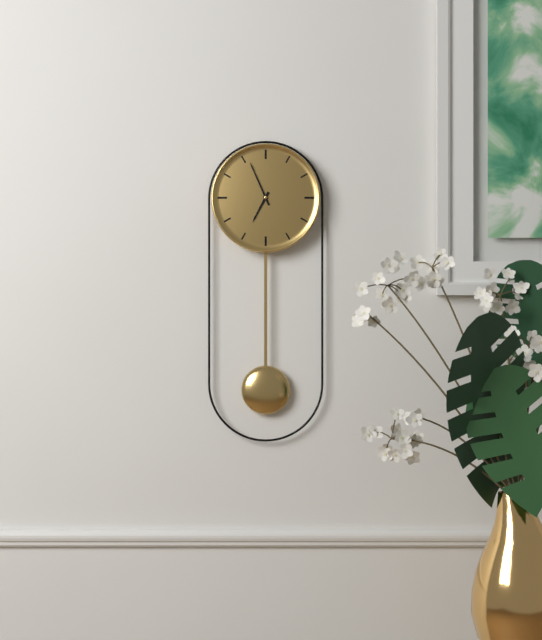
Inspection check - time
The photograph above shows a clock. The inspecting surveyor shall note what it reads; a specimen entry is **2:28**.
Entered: **6:56**
